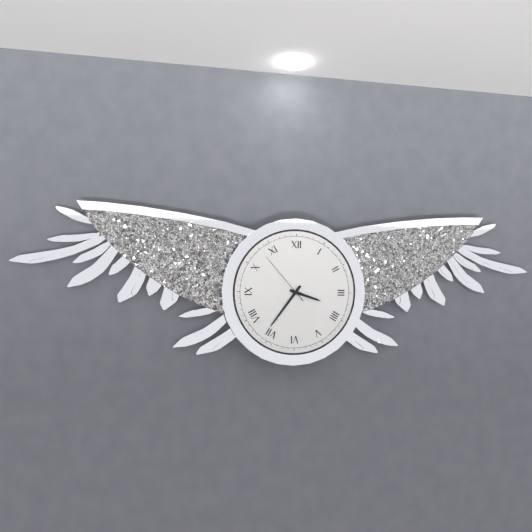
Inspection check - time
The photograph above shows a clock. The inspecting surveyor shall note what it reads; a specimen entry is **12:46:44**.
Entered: **3:36:53**
